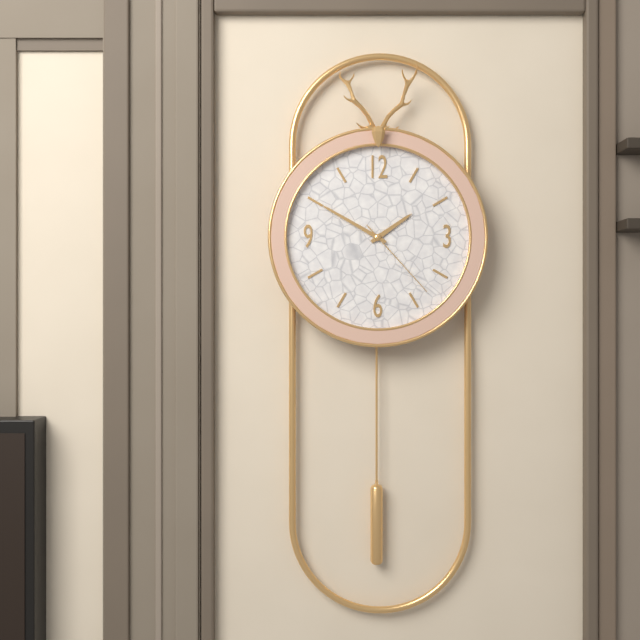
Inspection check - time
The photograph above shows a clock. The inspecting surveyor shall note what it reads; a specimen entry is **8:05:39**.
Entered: **1:50:23**
